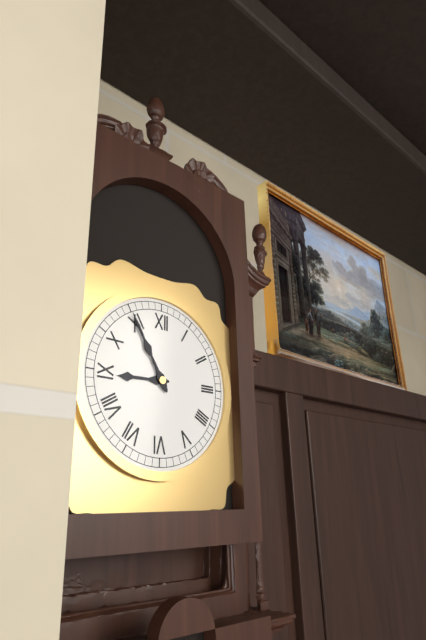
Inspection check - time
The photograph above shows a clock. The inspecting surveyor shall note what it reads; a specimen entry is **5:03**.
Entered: **8:55**
